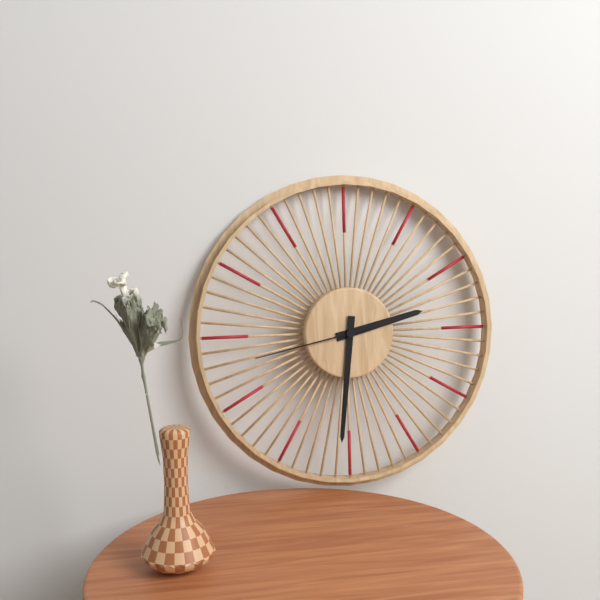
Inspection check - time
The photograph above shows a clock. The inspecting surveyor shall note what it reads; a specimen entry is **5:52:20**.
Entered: **2:31:43**
